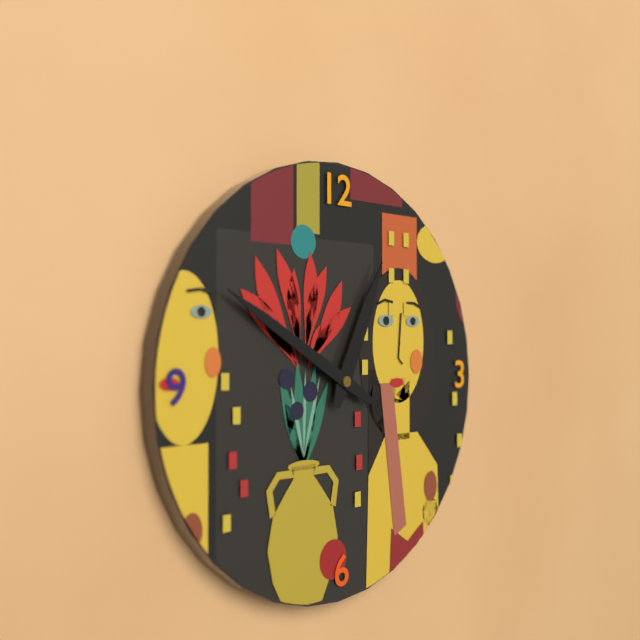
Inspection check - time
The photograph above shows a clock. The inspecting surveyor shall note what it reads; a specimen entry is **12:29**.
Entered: **12:50**
